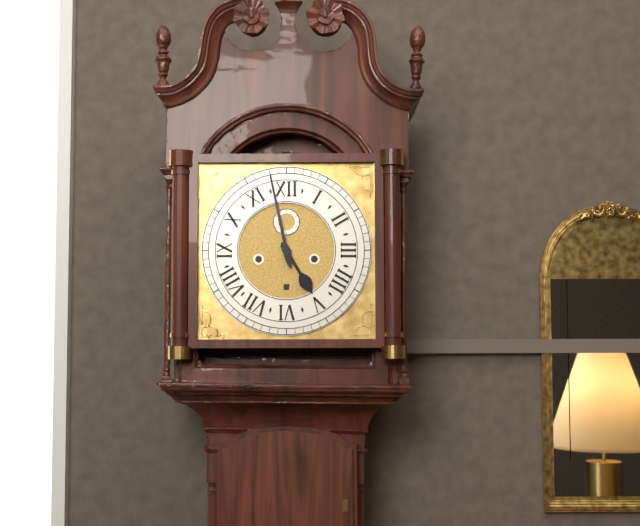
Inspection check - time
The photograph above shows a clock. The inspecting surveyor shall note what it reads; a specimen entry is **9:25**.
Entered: **4:58**
